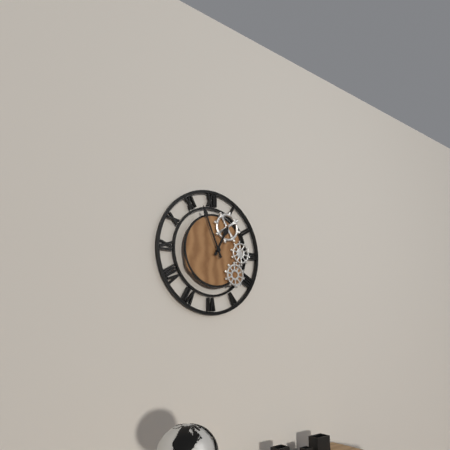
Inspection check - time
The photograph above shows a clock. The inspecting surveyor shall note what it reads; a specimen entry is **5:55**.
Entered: **12:56**
